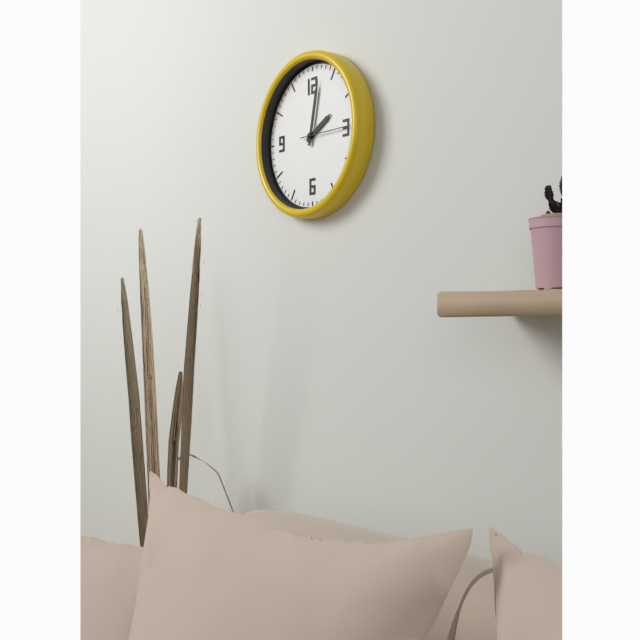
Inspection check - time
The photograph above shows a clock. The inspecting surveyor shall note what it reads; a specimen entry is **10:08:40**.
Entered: **2:02:15**
